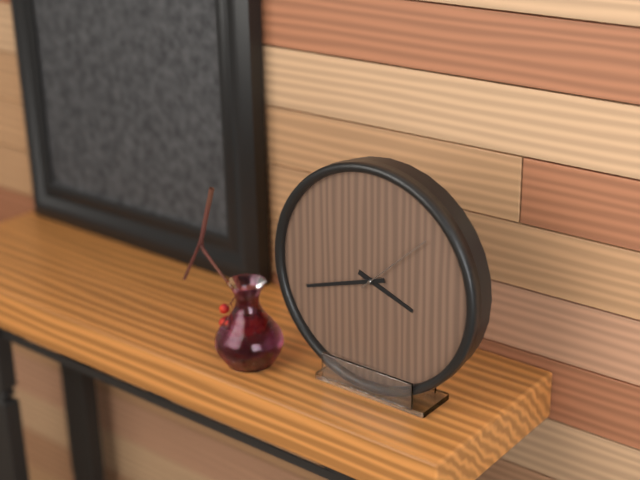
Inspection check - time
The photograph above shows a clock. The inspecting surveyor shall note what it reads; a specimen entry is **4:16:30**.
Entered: **3:42:08**
